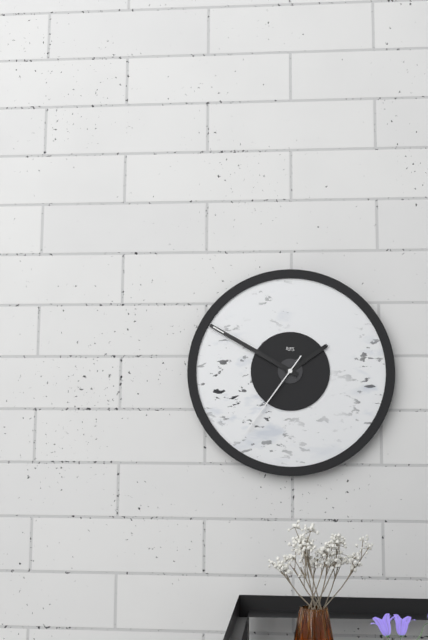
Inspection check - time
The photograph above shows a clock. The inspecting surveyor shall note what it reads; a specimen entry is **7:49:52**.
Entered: **1:50:36**
